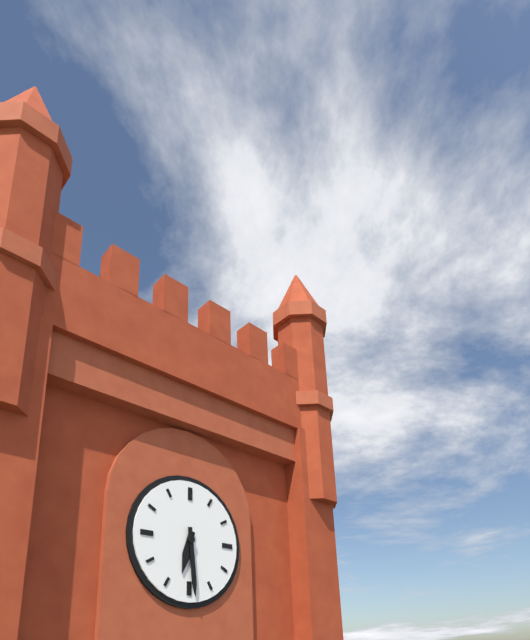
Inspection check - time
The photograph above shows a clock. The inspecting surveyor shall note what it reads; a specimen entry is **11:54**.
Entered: **6:29**
